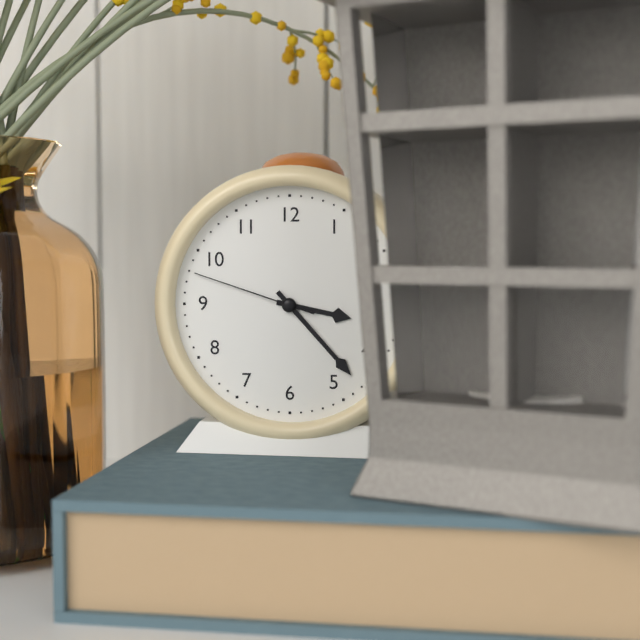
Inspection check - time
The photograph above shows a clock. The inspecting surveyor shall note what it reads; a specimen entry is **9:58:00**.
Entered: **3:23:48**
